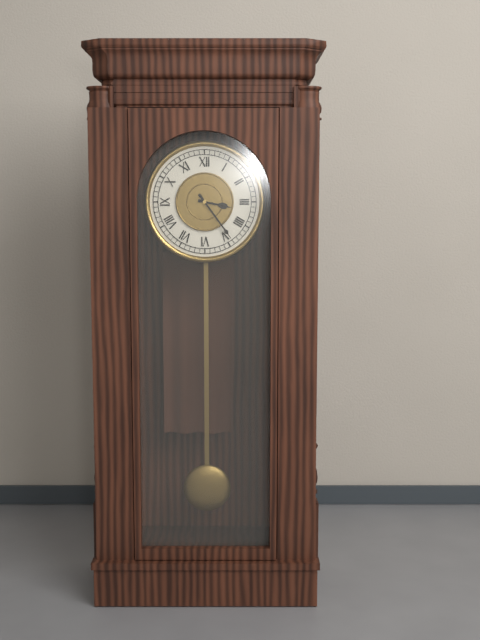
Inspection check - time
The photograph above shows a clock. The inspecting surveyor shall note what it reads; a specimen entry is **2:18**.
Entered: **3:24**
